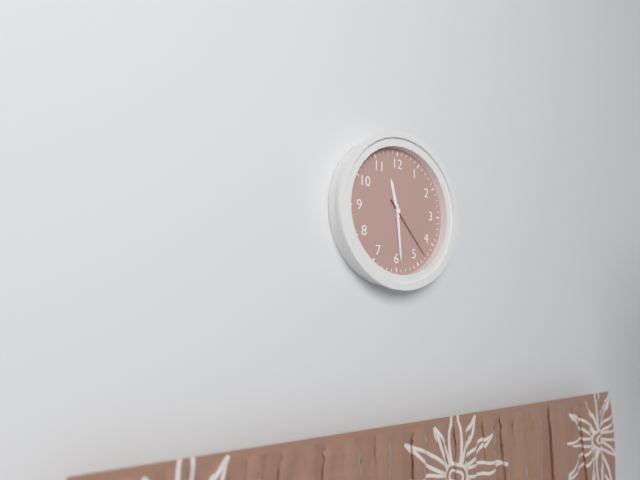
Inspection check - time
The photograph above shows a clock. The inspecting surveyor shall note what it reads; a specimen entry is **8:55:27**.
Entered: **11:29:23**
